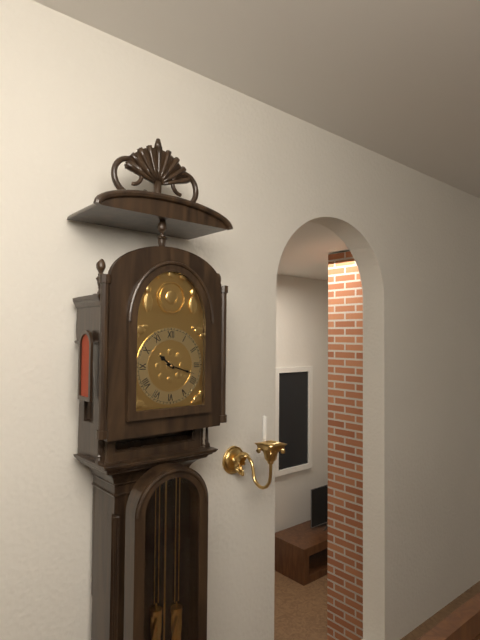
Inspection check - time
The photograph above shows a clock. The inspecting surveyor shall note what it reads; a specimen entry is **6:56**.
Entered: **10:18**
